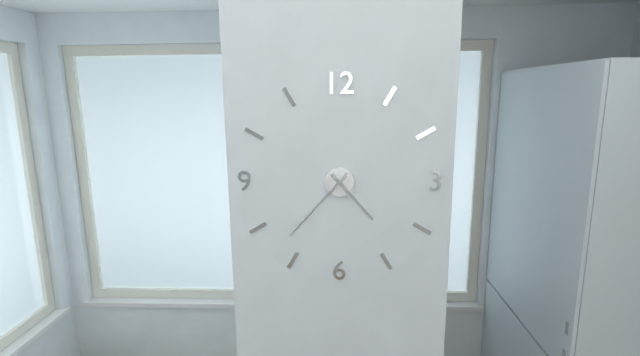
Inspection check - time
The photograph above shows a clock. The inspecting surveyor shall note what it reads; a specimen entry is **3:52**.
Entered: **4:37**
